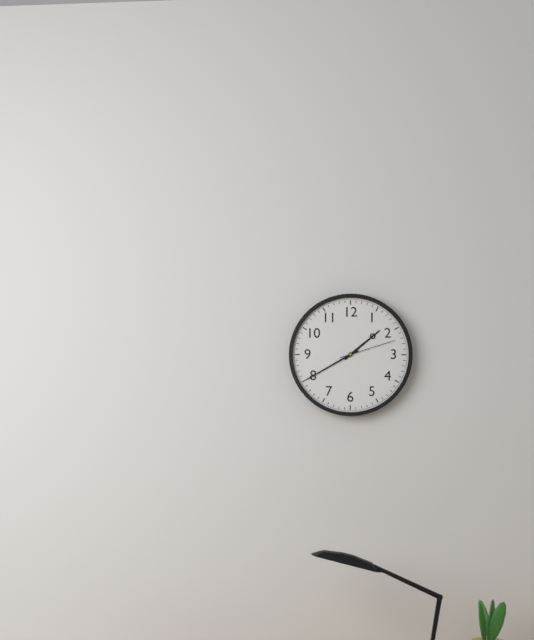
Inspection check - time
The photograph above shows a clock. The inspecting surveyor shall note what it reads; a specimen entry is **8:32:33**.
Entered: **1:40:12**
